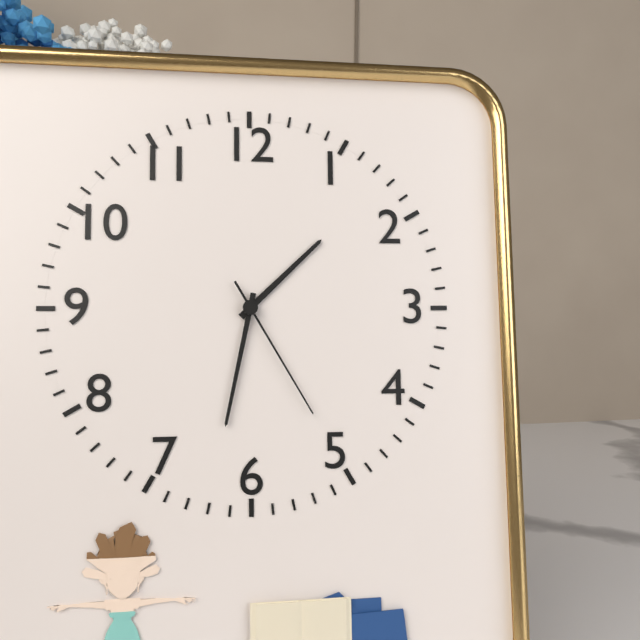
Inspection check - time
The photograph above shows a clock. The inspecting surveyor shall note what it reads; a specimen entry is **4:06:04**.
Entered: **1:32:25**
